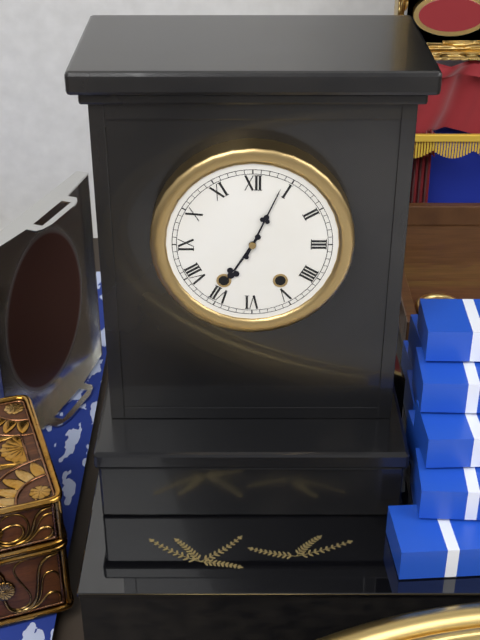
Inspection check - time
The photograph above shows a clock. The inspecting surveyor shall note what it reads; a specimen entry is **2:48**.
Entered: **7:04**
